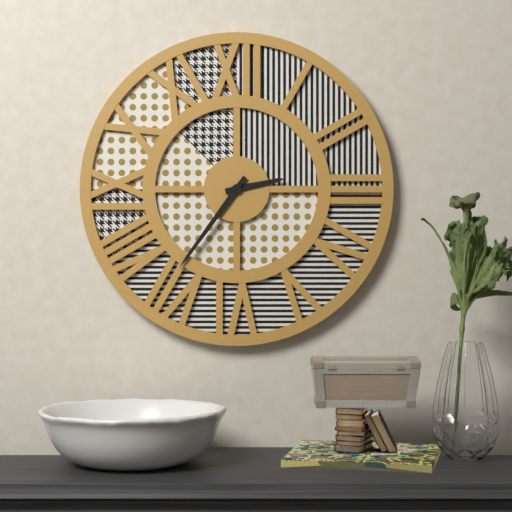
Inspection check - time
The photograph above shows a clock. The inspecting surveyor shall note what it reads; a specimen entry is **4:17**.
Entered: **2:36**
